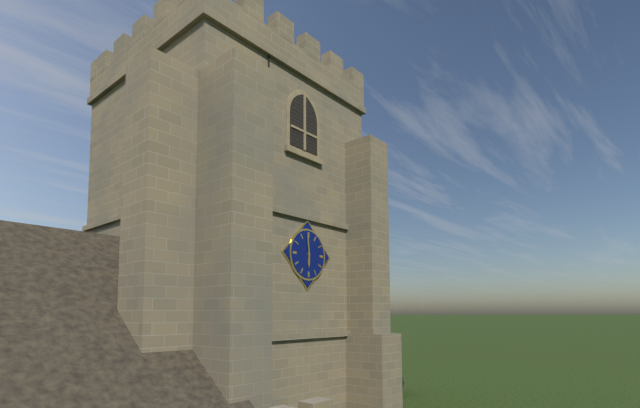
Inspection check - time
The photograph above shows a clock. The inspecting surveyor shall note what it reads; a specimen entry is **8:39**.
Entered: **5:59**
